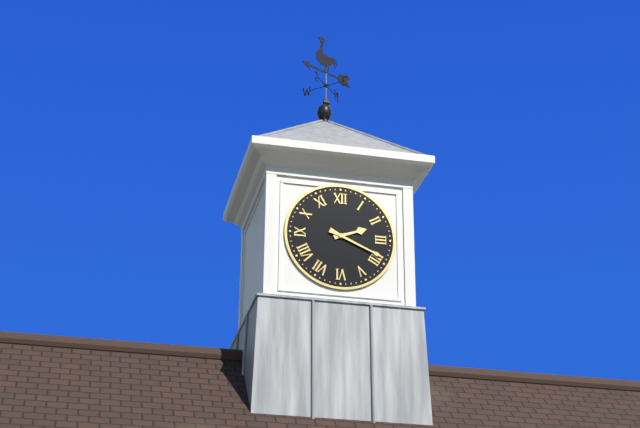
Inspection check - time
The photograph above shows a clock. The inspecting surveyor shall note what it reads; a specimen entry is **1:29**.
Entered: **2:19**
